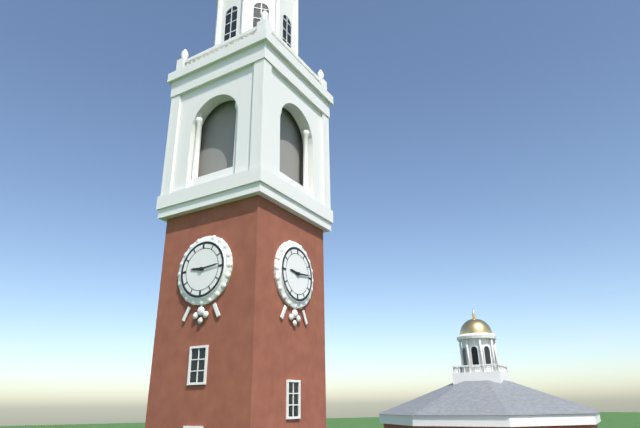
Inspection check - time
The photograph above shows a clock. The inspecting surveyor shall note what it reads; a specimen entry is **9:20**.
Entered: **9:14**
